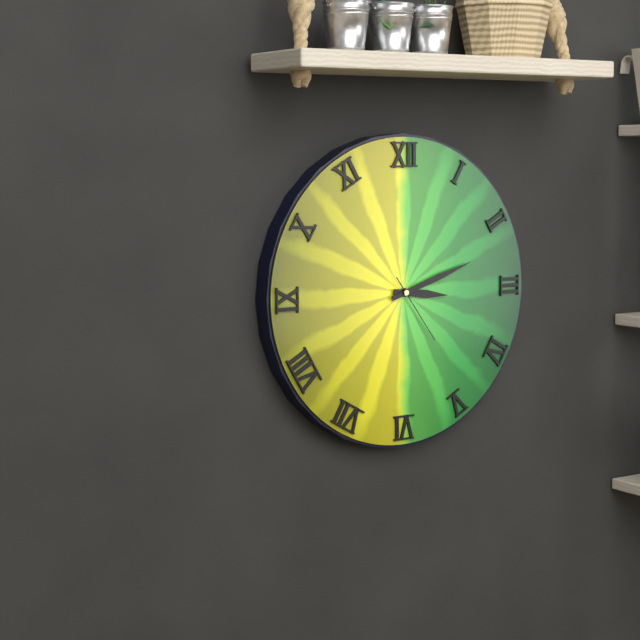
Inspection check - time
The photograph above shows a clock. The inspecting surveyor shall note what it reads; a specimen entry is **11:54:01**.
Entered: **3:12:24**
